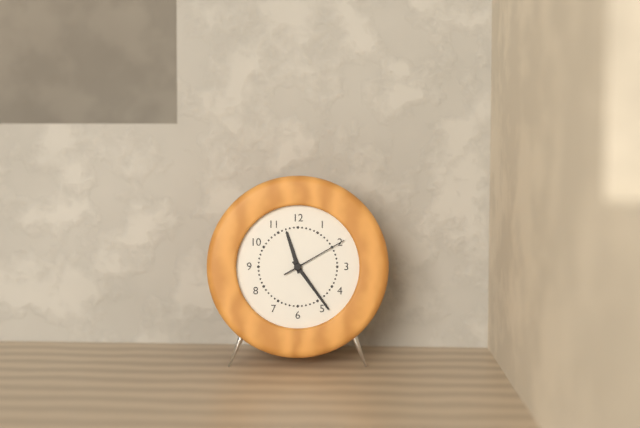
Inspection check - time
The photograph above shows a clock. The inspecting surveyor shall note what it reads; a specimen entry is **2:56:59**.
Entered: **11:24:10**
